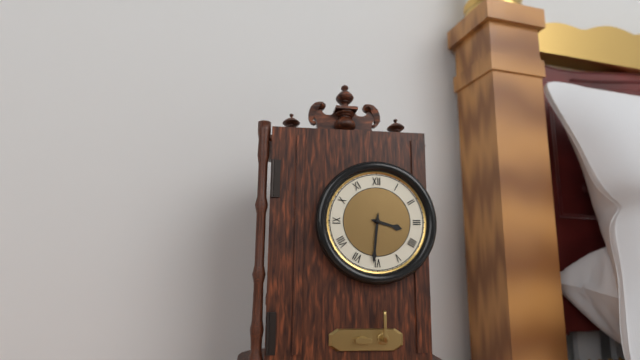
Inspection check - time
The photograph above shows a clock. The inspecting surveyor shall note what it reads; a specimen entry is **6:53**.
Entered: **3:31**
